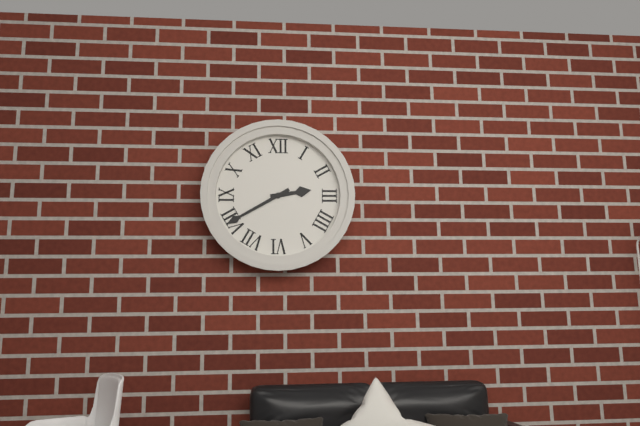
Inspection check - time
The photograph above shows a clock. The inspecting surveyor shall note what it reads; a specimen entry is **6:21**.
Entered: **2:40**
